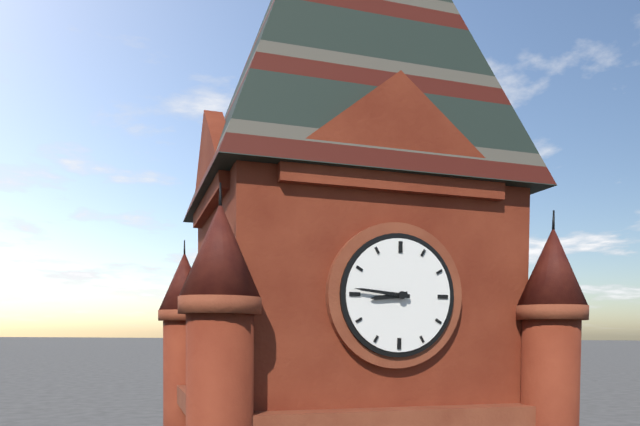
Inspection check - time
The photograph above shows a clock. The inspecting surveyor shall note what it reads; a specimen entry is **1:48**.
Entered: **8:46**
